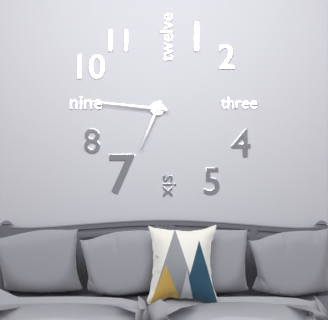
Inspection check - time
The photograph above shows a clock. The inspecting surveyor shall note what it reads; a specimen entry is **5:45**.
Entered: **6:46**
